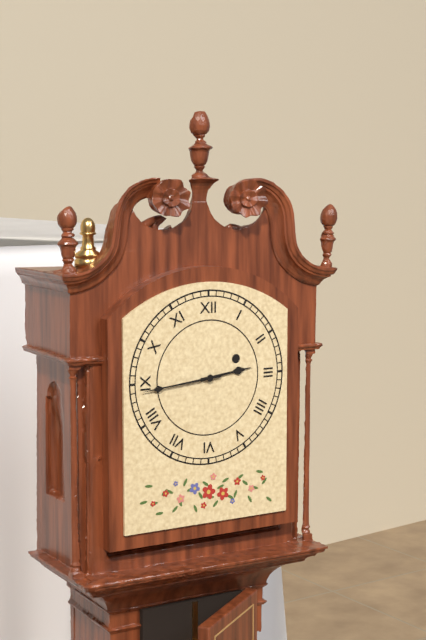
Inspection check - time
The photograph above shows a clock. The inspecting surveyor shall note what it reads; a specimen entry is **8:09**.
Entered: **2:44**
